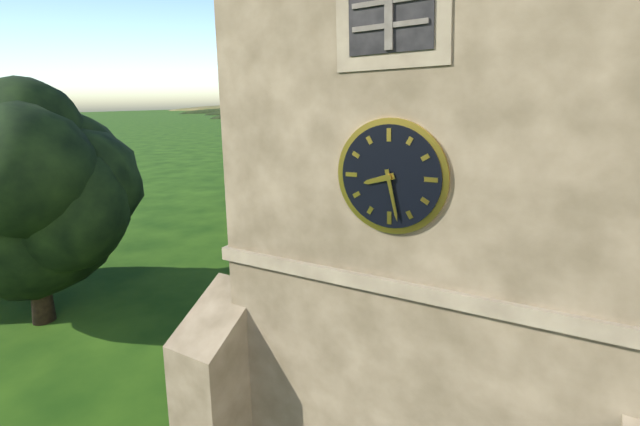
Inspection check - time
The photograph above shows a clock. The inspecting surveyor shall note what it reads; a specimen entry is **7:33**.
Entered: **8:28**
